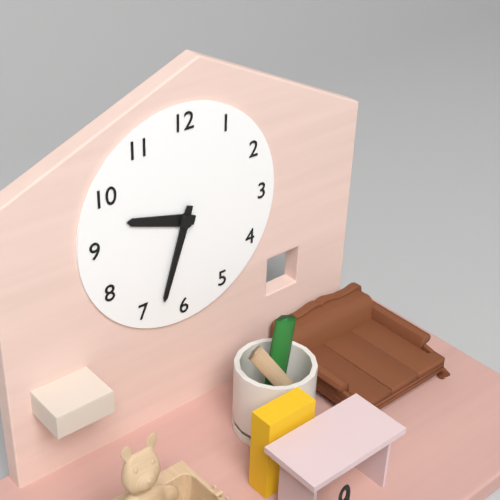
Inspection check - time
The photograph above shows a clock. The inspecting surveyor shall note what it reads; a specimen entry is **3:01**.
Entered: **9:33**
